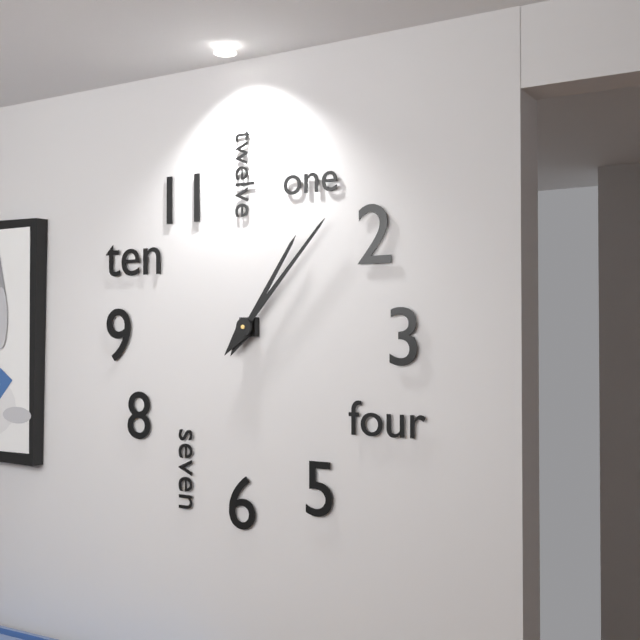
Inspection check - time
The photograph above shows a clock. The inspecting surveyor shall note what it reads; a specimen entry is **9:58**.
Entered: **1:07**
